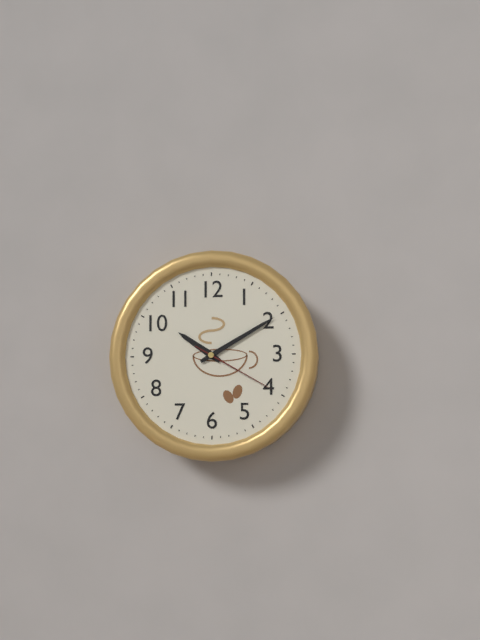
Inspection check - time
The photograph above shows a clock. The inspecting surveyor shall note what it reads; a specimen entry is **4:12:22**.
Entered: **10:10:20**
